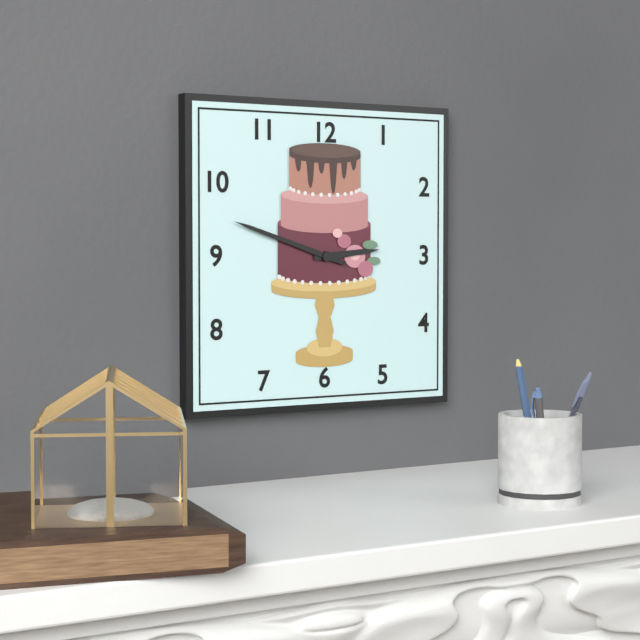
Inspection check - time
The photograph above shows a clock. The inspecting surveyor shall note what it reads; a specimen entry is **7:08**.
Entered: **2:48**
